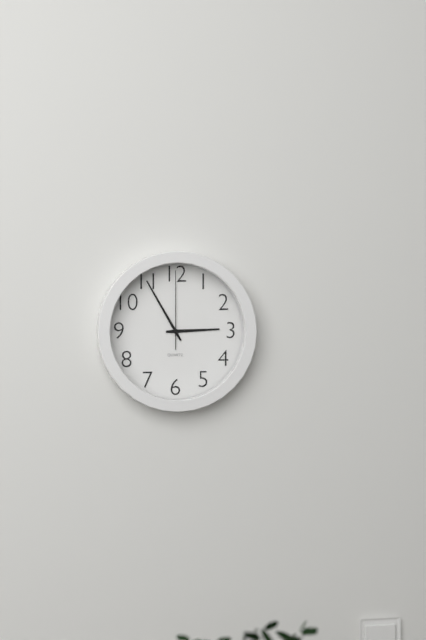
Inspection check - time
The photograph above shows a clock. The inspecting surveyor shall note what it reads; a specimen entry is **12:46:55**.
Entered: **2:55:00**
